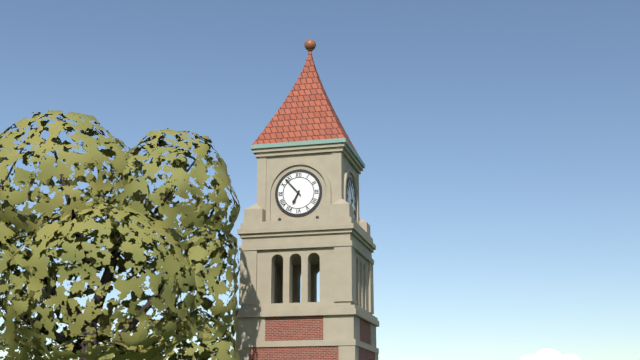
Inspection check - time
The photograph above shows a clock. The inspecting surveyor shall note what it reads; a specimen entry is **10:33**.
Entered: **6:53**
